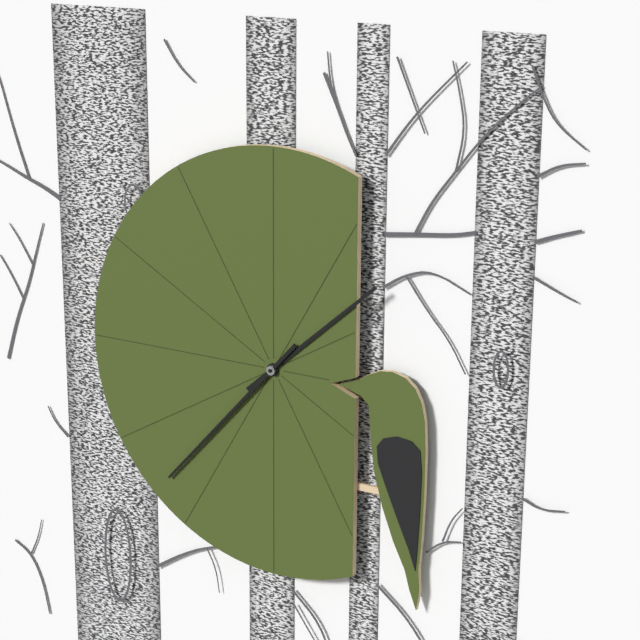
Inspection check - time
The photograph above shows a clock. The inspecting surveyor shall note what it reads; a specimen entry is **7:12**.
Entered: **1:37**
